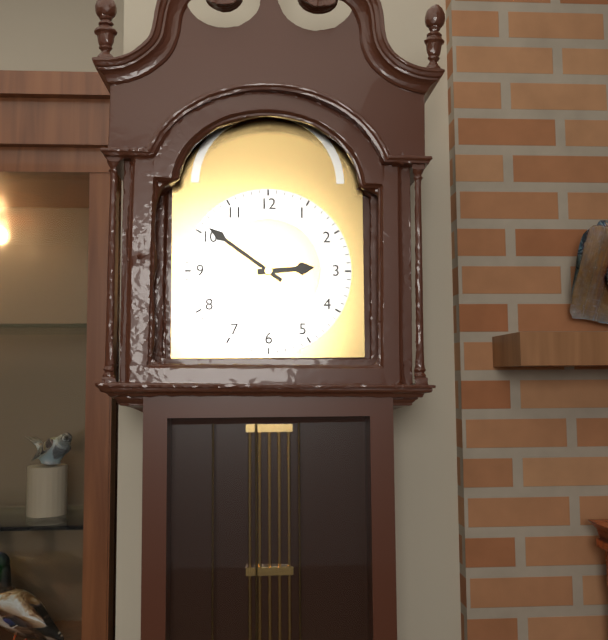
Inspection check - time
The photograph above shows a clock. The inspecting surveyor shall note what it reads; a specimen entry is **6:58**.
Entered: **2:51**
